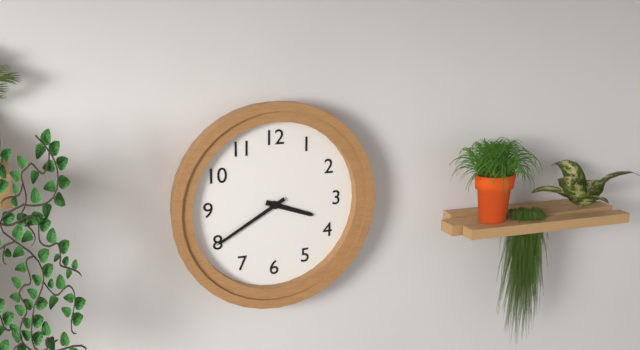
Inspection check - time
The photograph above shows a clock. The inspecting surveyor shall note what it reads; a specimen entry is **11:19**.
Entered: **3:40**
